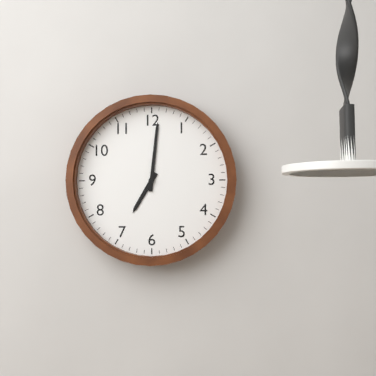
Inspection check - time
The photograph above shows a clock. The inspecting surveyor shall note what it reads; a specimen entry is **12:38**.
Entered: **7:01**
